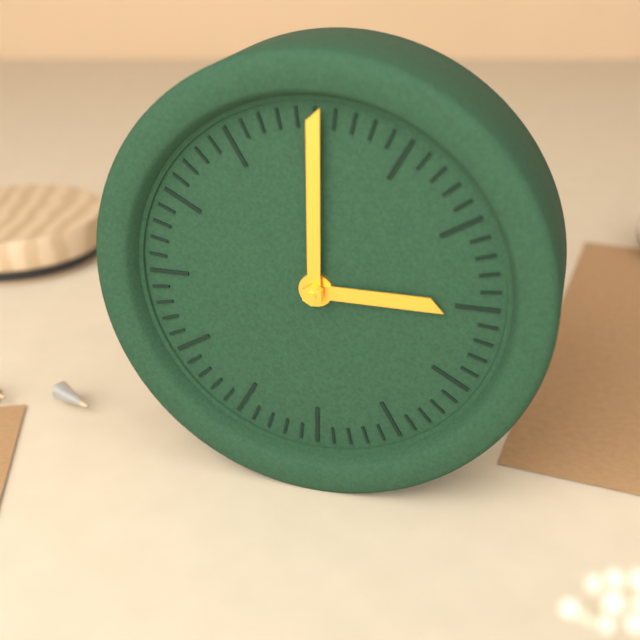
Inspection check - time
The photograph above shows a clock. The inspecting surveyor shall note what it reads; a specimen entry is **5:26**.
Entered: **3:00**
